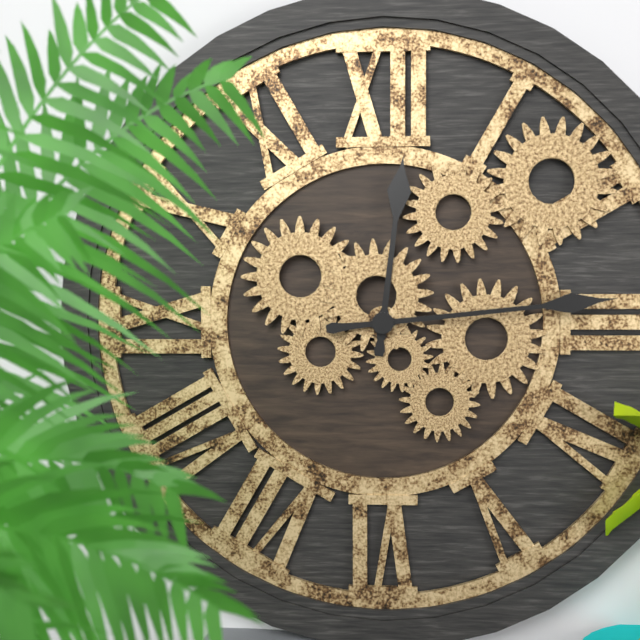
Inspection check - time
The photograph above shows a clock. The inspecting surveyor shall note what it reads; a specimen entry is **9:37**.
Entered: **12:14**
